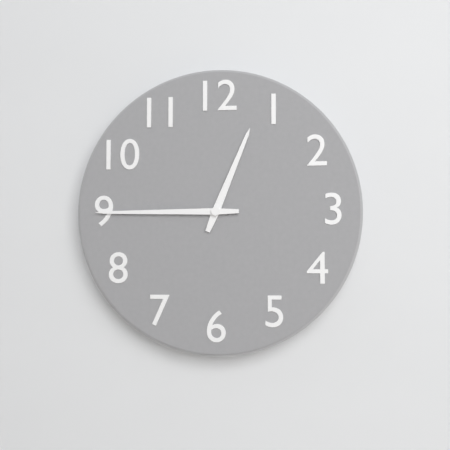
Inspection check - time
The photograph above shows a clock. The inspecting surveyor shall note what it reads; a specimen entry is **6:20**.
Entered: **12:45**
